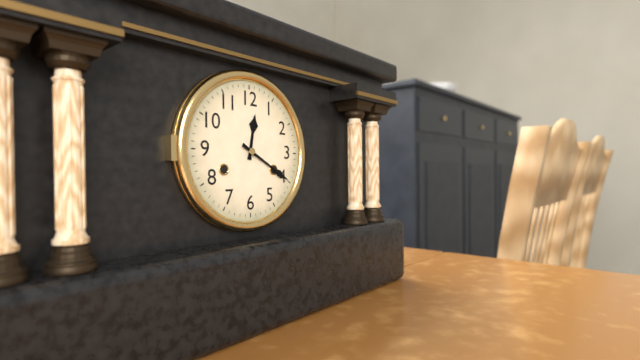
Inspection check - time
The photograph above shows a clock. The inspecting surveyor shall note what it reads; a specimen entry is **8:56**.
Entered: **12:20**
